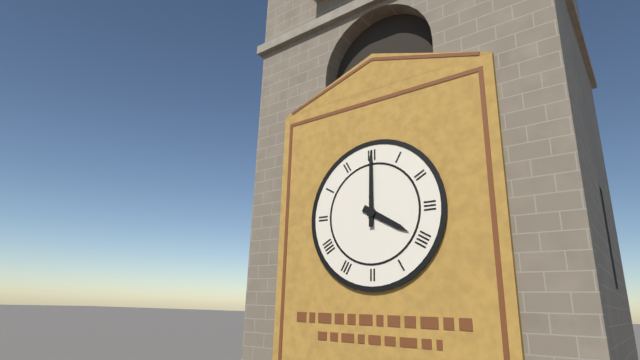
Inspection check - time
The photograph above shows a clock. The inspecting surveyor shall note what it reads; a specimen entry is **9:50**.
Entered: **4:00**
